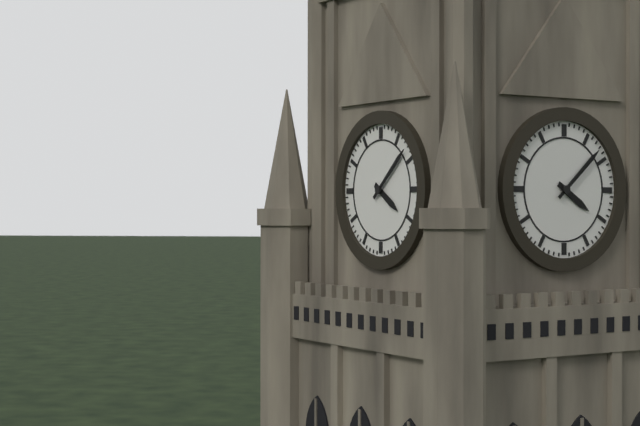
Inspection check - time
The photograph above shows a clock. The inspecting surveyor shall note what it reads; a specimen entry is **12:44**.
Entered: **4:08**
